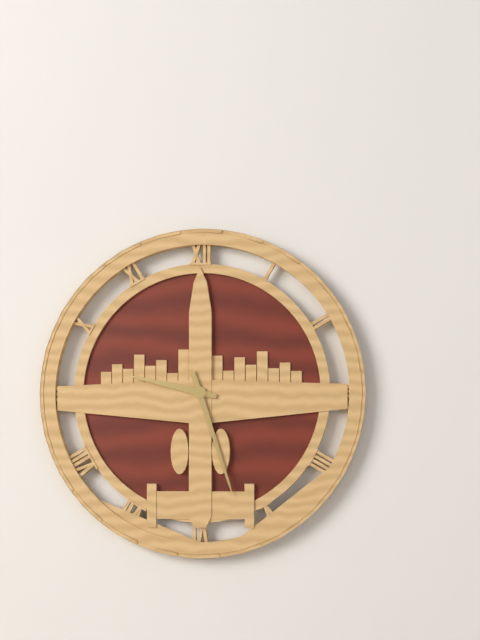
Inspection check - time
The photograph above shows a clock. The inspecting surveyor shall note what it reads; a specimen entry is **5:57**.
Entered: **9:27**
